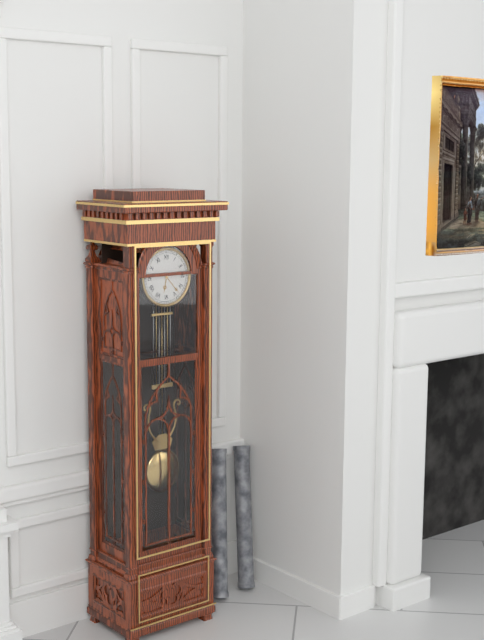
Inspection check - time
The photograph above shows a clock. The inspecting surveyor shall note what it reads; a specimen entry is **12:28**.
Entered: **6:23**
